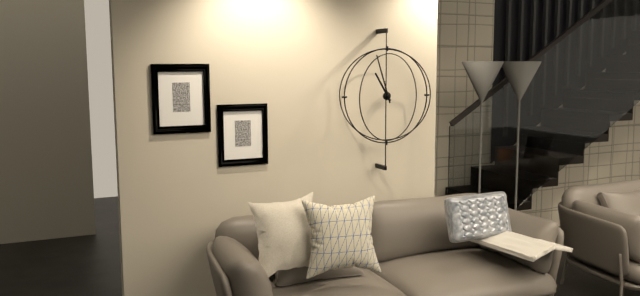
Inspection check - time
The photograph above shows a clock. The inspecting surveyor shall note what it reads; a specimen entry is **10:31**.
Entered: **10:57**
